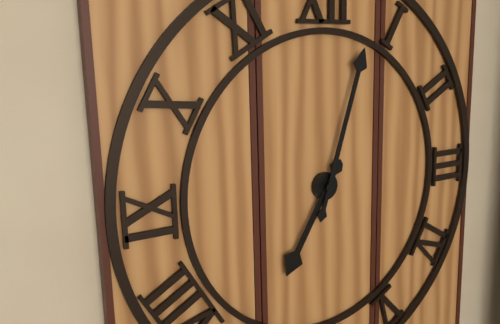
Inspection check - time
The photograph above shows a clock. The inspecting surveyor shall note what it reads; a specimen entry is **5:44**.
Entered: **7:03**
